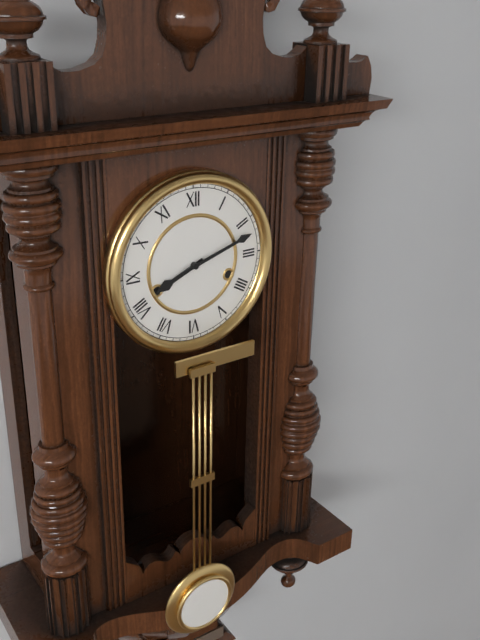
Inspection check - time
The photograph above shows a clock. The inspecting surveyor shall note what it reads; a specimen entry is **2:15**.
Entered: **8:12**
